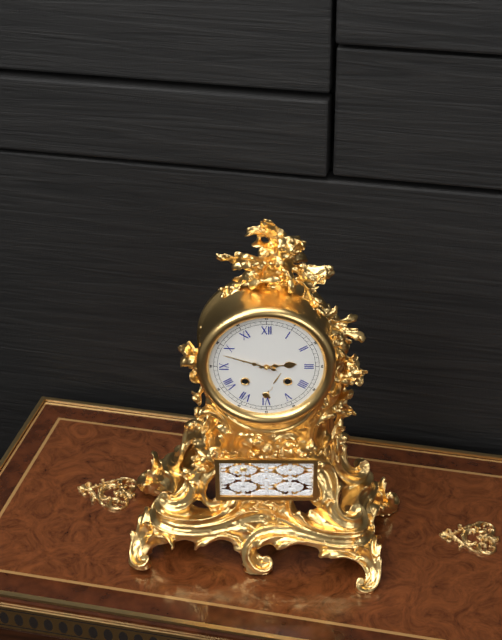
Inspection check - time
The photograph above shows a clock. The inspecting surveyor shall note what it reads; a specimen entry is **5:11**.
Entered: **2:48**
